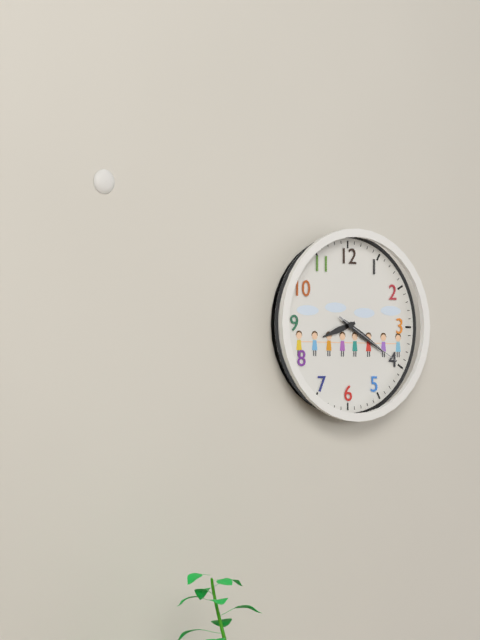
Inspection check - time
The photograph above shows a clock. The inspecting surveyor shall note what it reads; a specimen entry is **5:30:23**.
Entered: **8:20:20**
